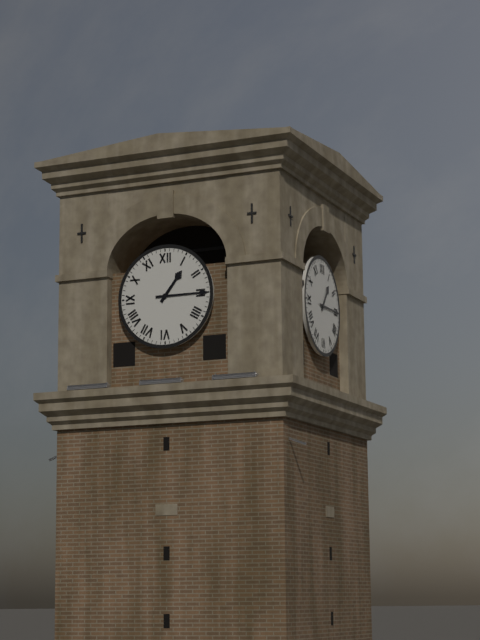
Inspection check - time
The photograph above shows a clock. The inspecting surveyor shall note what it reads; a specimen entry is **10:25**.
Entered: **1:15**
